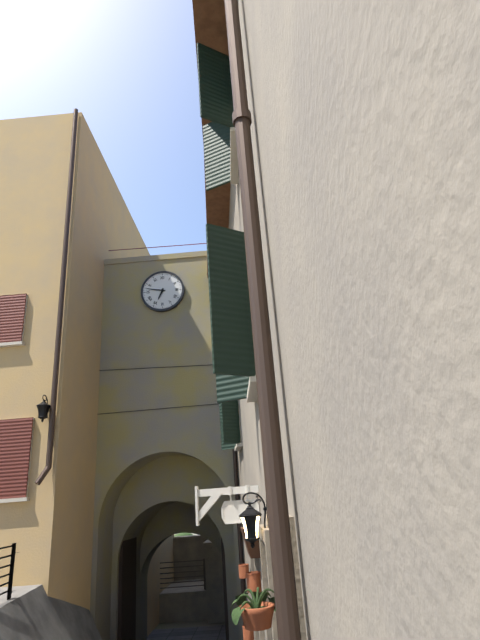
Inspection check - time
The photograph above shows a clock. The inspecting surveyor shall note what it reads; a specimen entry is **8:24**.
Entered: **6:47**
